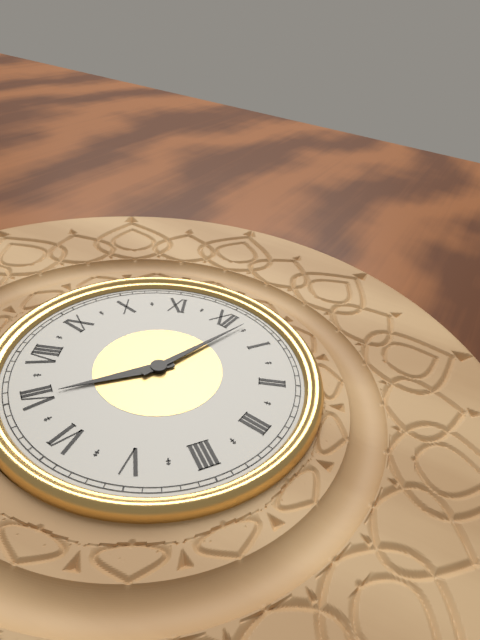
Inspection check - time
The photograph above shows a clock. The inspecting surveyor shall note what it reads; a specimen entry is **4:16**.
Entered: **7:02**
